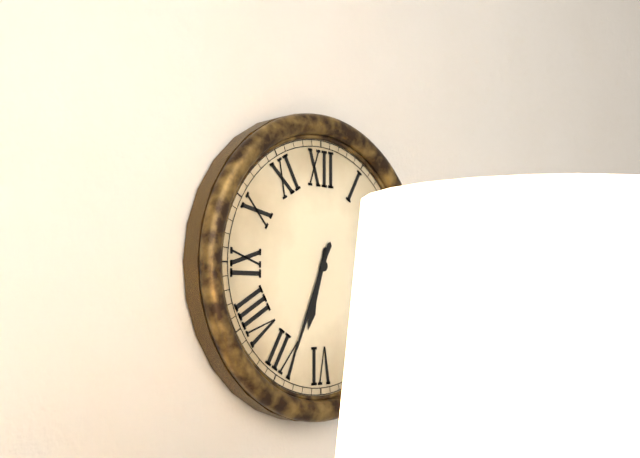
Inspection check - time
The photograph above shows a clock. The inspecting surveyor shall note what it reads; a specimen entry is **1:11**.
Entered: **6:34**
